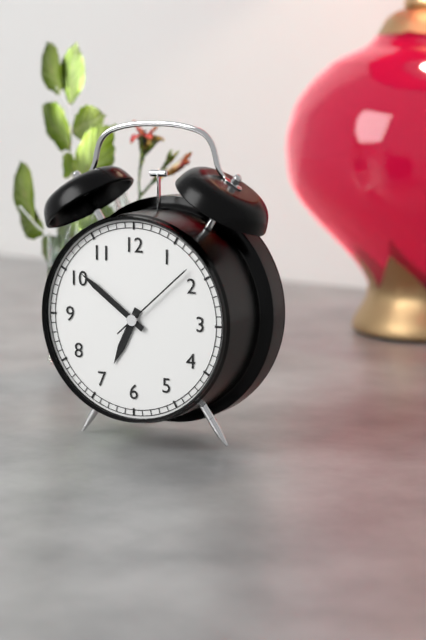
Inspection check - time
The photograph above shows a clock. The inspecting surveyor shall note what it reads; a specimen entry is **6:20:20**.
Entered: **6:51:08**
